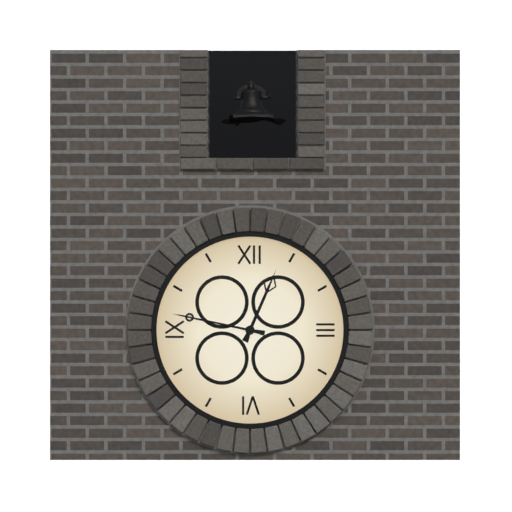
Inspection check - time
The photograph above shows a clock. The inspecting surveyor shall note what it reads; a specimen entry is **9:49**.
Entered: **12:47**
